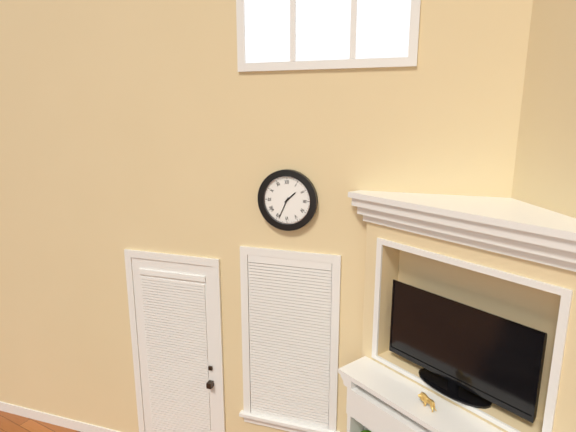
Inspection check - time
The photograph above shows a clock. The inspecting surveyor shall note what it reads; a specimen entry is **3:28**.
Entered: **1:34**
